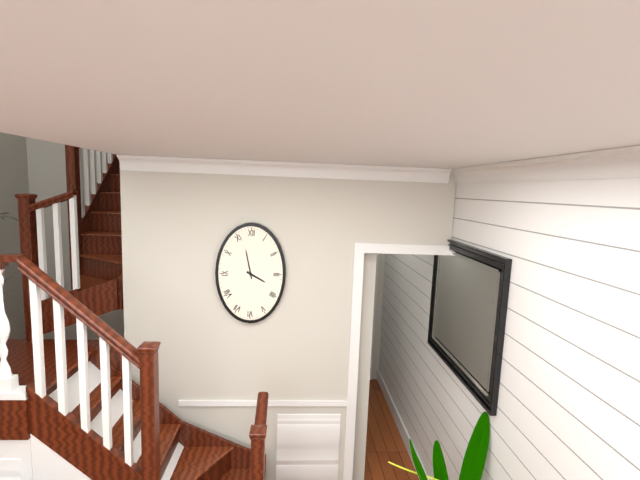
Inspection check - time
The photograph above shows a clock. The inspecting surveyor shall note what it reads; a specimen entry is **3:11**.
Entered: **3:58**
